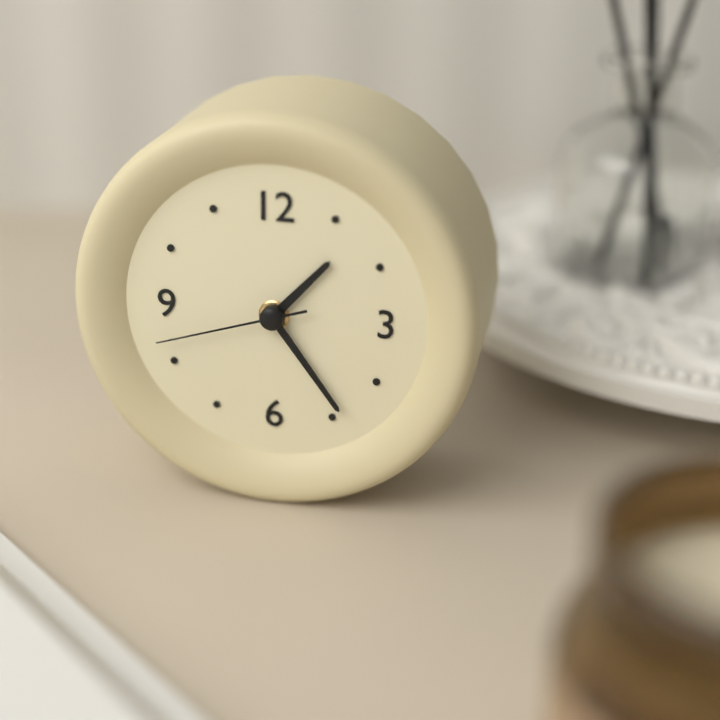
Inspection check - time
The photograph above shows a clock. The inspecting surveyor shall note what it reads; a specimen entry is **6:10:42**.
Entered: **1:24:42**
